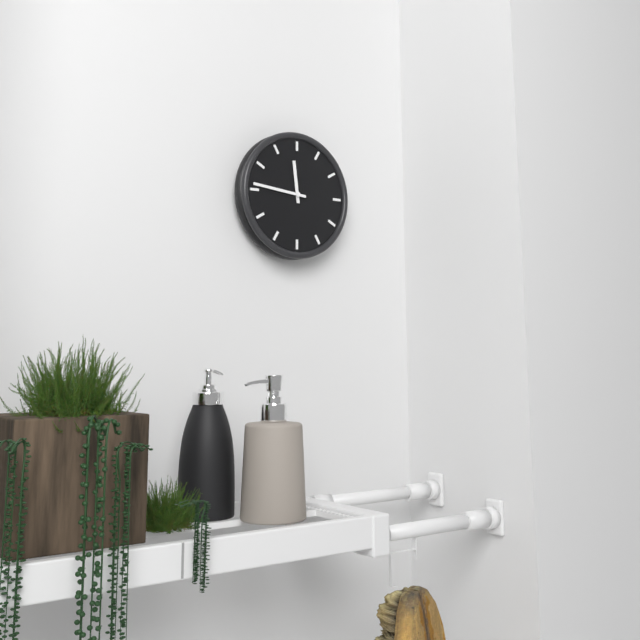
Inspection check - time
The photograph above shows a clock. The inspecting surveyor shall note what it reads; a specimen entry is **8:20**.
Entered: **11:46**
